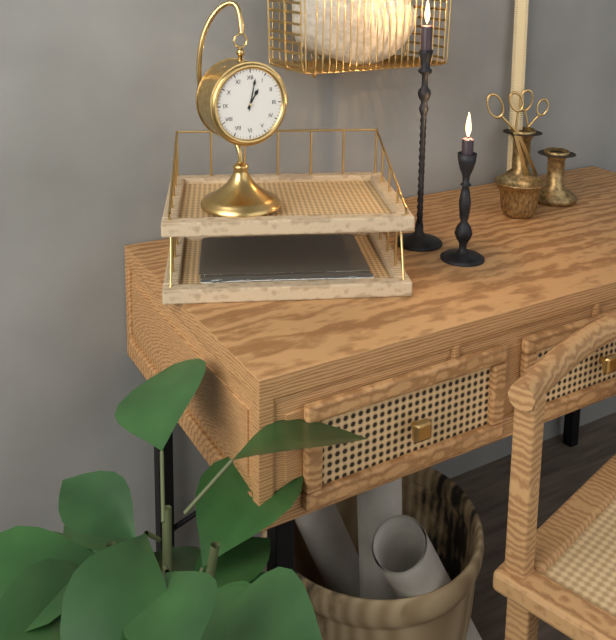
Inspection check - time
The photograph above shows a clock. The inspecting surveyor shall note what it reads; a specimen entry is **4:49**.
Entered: **1:02**
